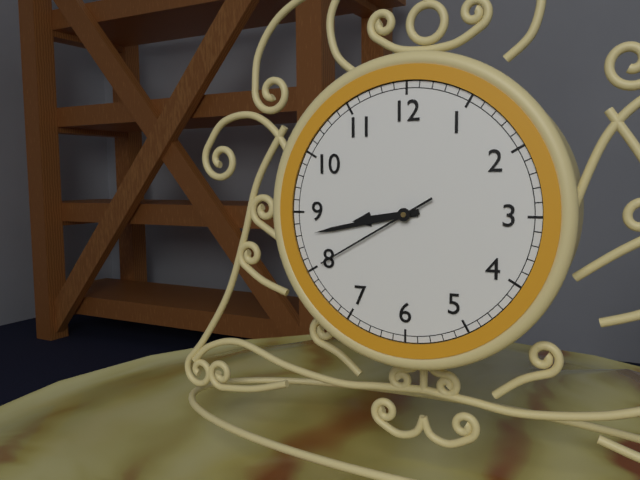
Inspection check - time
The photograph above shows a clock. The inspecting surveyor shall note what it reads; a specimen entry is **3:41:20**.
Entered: **8:43:40**
